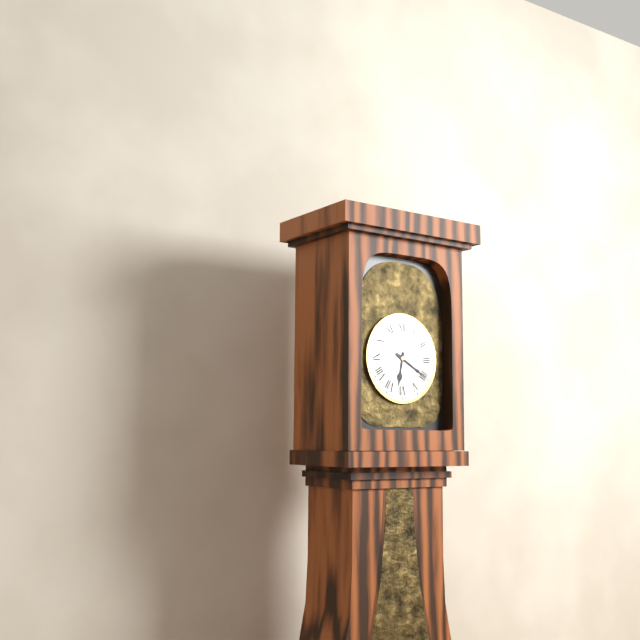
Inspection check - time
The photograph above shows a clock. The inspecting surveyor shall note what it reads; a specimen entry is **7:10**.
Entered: **6:20**
